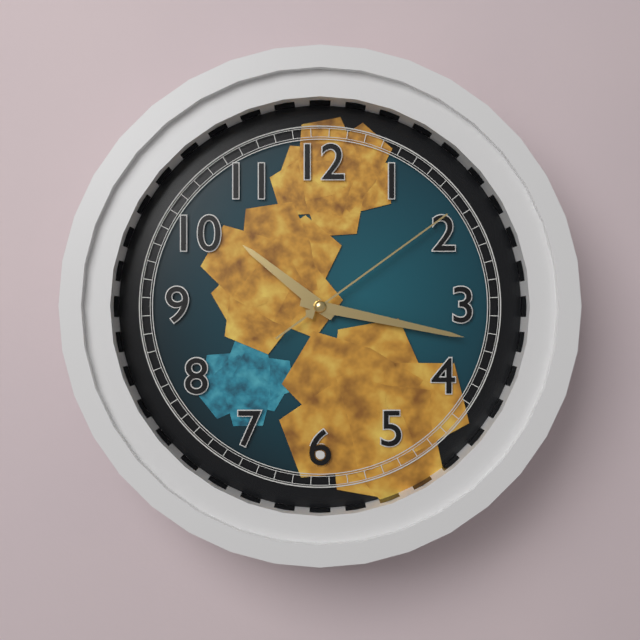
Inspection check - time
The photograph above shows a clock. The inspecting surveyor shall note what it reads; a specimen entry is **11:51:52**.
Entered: **10:17:09**
